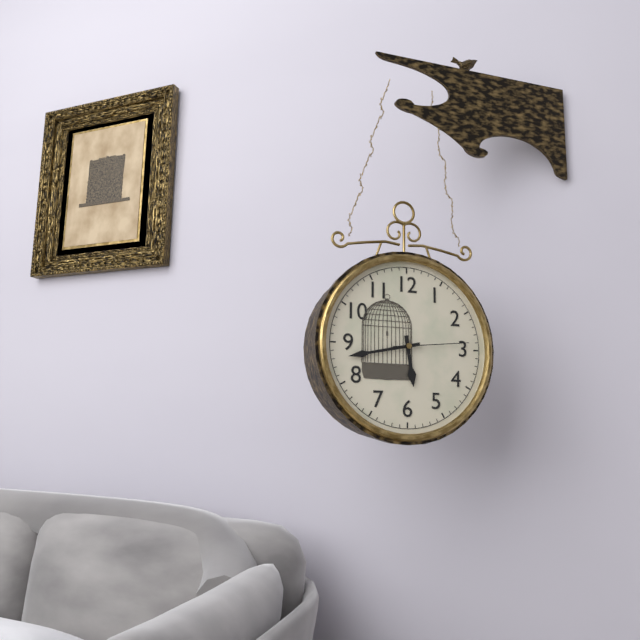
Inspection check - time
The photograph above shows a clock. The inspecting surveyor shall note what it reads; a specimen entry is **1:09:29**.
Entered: **5:43:14**
